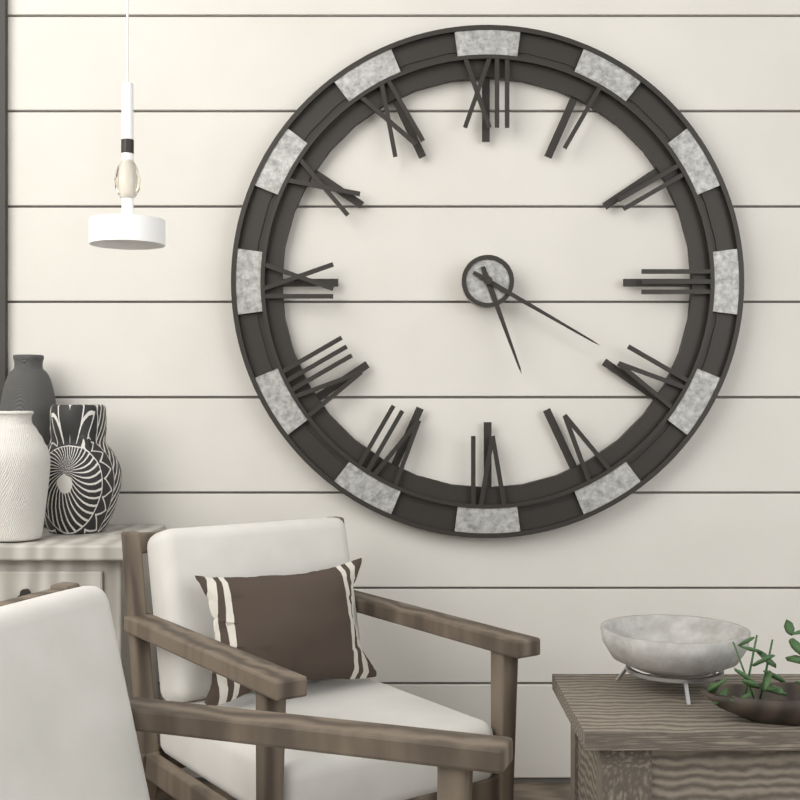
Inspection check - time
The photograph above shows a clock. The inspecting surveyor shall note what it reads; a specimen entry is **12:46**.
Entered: **5:20**
